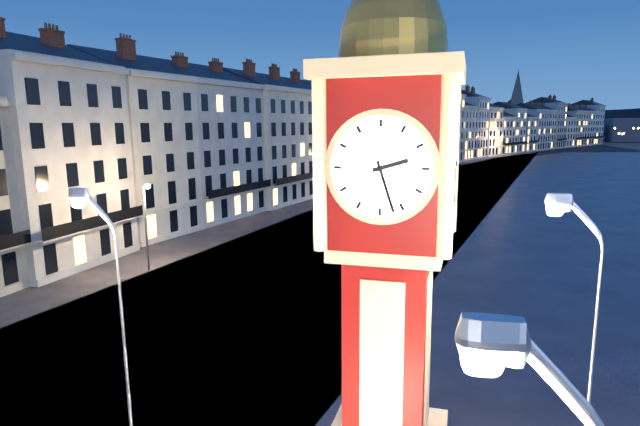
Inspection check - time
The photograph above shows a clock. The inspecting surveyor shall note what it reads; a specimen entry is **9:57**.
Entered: **2:27**
